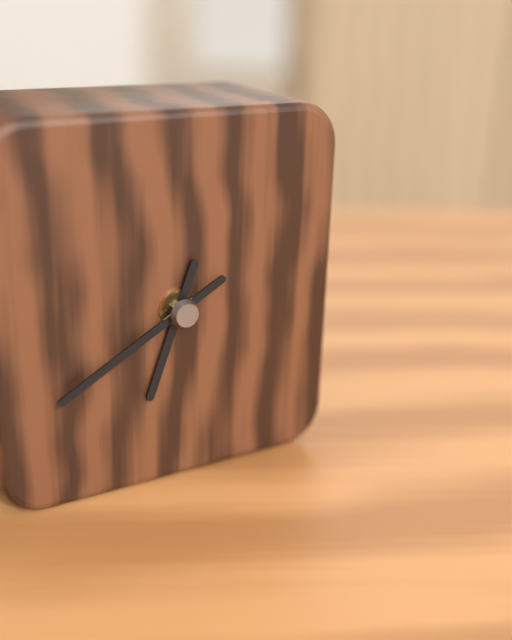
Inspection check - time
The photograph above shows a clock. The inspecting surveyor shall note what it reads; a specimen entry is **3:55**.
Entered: **6:40**
